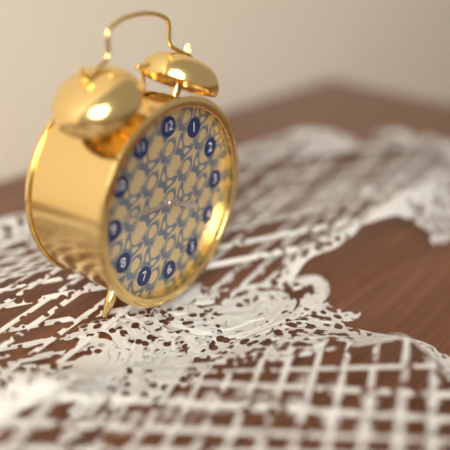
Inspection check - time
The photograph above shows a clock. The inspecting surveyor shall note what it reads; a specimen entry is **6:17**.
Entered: **3:46**
